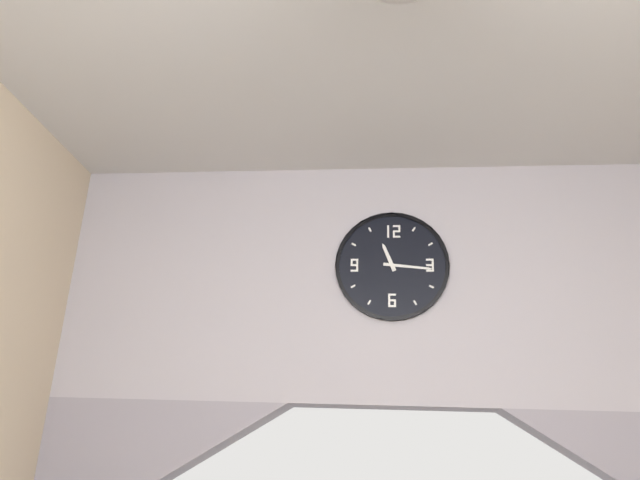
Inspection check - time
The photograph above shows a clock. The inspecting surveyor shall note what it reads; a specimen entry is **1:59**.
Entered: **11:16**
